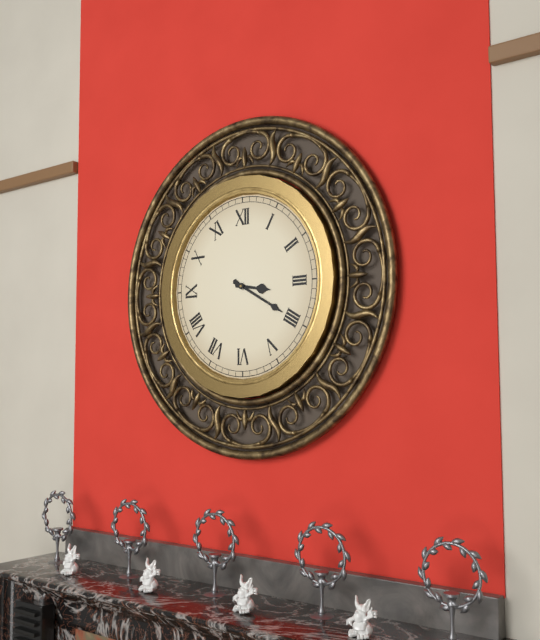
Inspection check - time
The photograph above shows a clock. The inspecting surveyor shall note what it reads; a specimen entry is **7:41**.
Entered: **3:20**
